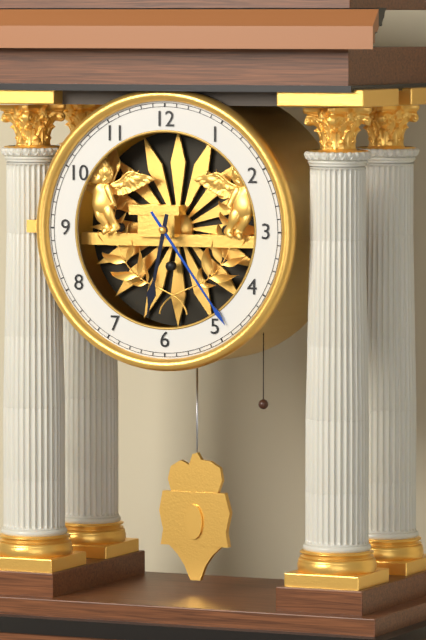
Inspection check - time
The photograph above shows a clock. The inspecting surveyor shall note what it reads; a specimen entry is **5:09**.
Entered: **6:24**
